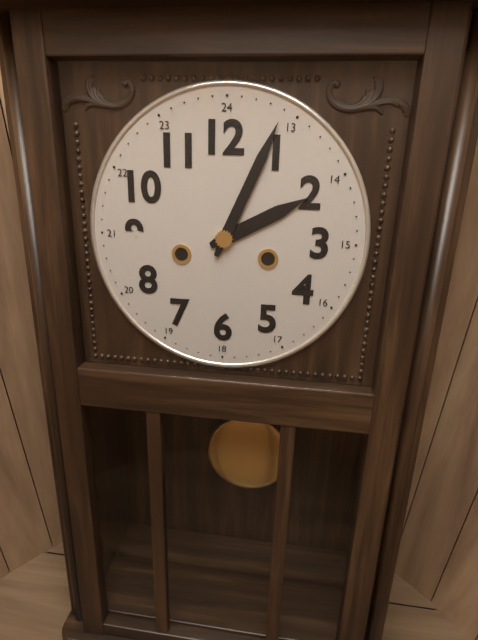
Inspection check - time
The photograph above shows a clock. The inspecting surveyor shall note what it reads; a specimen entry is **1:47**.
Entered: **2:04**
